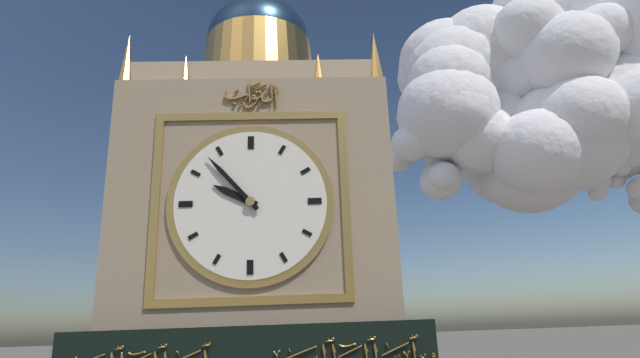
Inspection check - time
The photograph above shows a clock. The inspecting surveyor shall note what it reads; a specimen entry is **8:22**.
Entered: **9:53**
